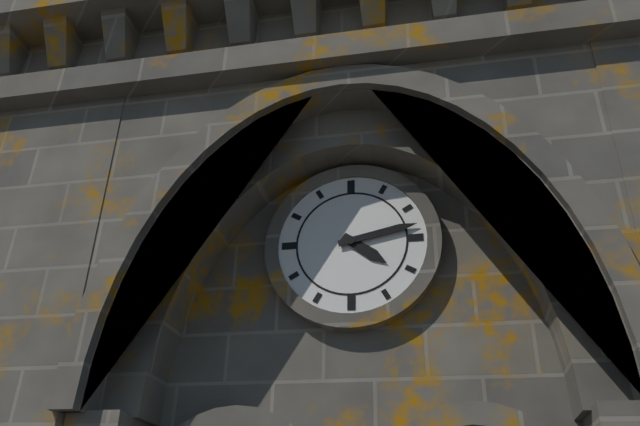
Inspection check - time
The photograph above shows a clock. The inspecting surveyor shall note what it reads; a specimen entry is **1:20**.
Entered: **4:13**
